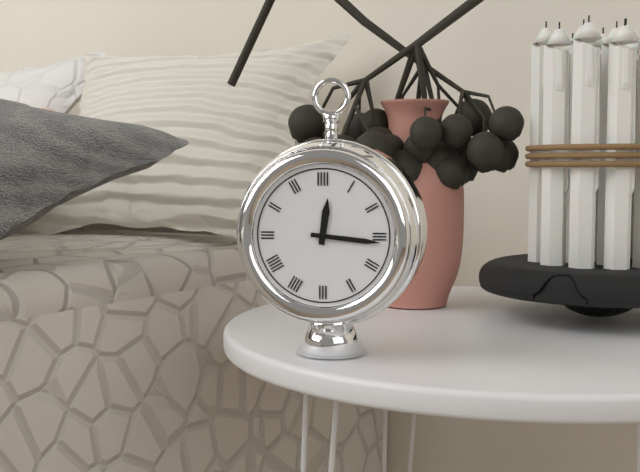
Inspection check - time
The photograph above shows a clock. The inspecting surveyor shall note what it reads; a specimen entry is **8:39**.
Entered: **12:16**
